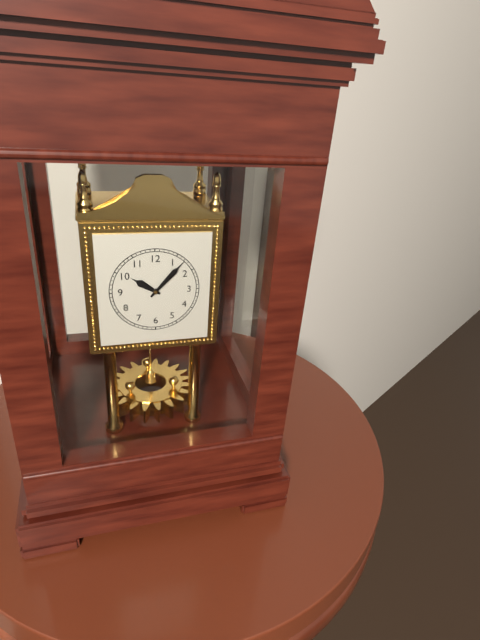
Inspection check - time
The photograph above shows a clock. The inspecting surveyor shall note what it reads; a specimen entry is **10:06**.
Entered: **10:07**
